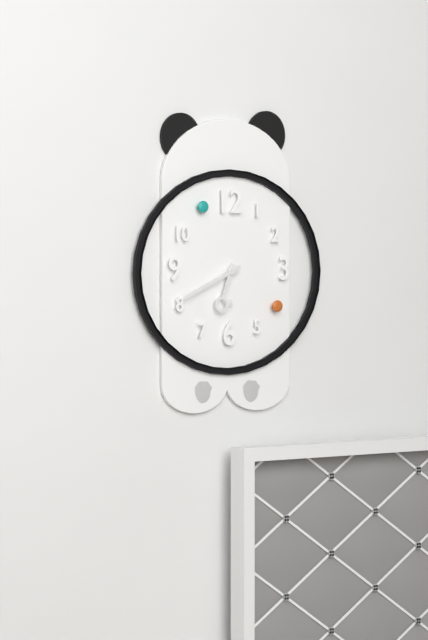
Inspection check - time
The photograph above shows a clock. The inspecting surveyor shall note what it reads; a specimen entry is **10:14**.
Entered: **6:41**
